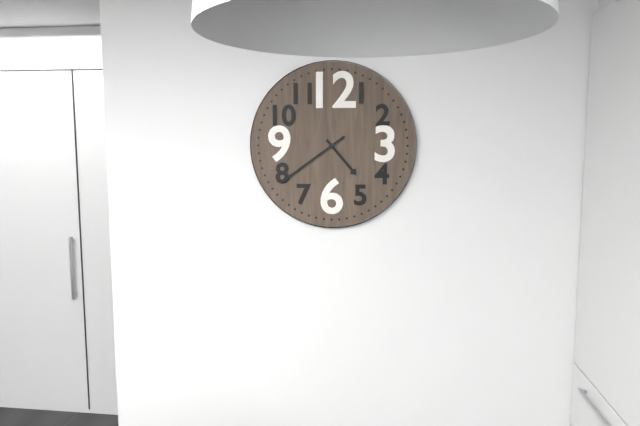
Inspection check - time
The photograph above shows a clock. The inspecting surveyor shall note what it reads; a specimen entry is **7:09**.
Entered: **4:39**
